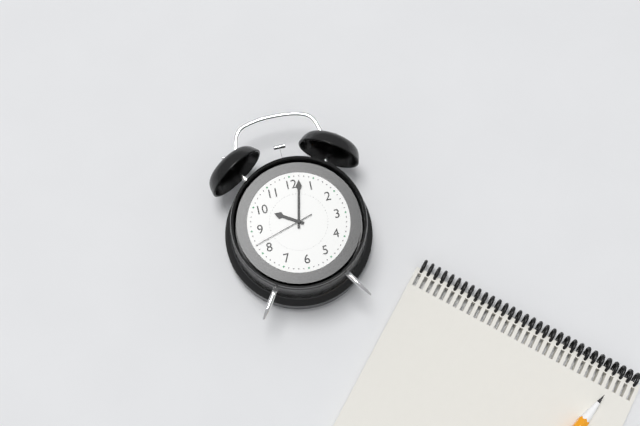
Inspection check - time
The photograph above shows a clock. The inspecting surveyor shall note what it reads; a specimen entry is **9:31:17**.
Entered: **10:02:42**
